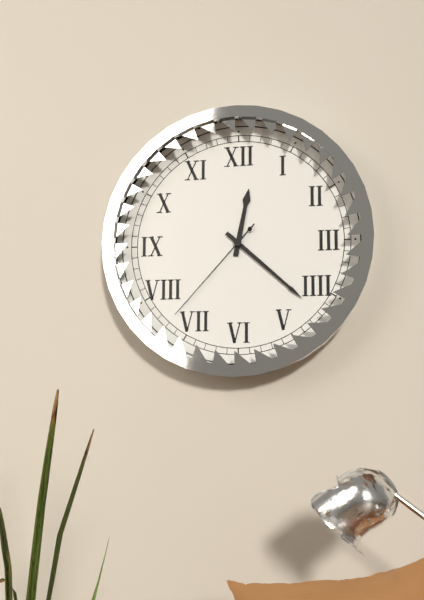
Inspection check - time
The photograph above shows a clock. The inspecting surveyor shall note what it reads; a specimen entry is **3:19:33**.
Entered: **12:22:37**
